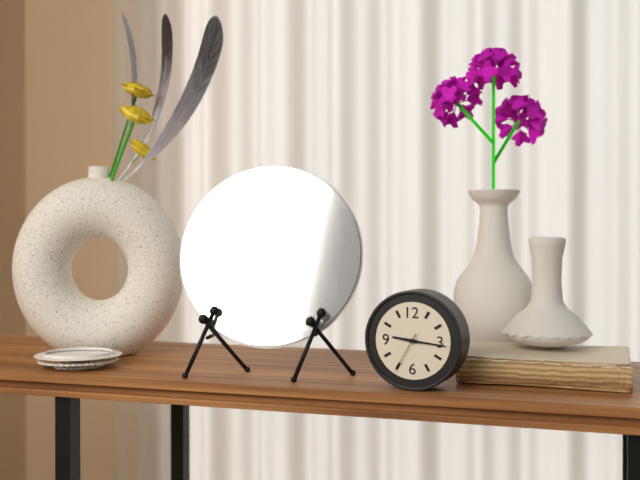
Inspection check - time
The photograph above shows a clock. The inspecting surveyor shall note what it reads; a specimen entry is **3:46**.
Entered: **9:16**
